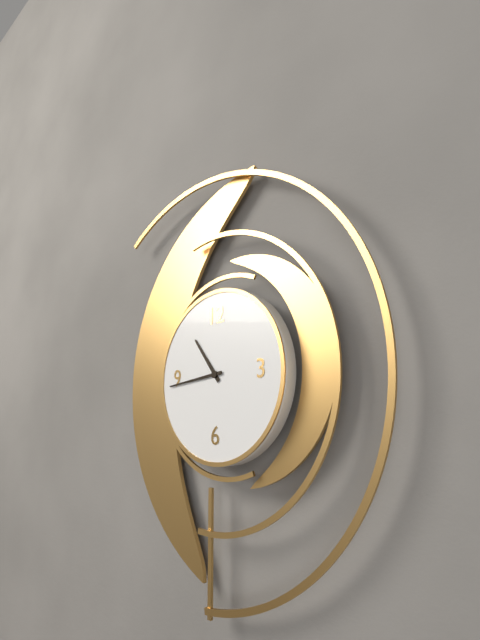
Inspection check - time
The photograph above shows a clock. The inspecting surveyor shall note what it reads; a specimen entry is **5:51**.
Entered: **10:44**
